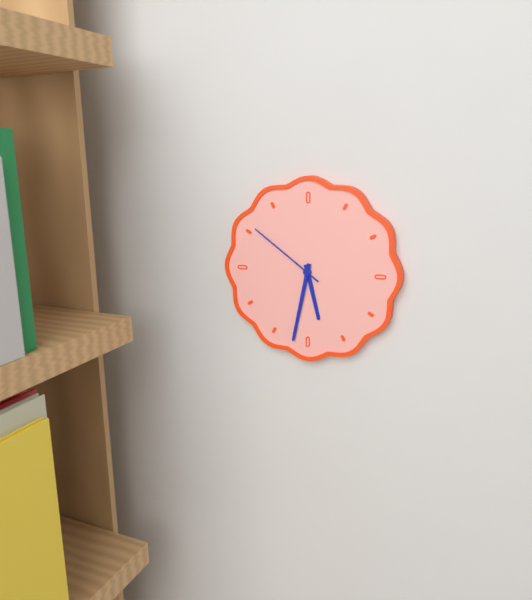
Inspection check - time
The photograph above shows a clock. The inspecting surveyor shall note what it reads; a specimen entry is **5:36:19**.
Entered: **5:32:51**
